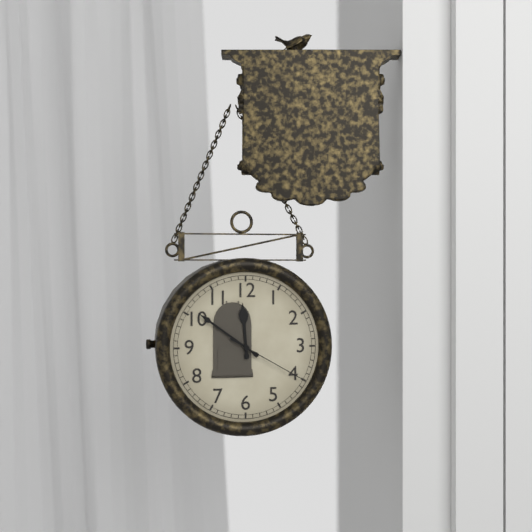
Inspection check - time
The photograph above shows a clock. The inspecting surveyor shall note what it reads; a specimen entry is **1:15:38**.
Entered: **11:51:20**
